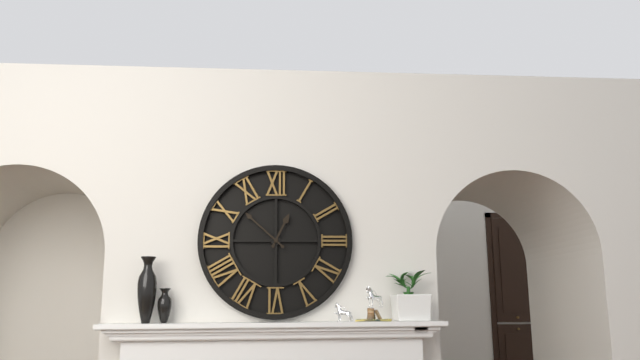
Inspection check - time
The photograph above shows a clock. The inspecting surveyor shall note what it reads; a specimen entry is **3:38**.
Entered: **12:52**
